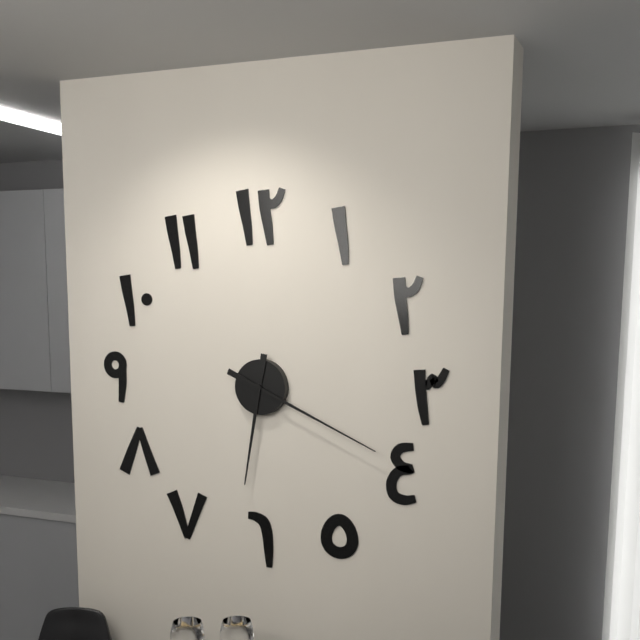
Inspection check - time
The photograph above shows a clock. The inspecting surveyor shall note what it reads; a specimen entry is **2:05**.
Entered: **6:19**
